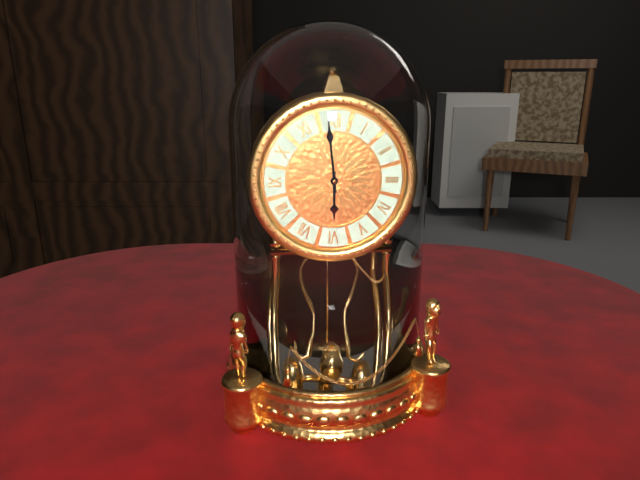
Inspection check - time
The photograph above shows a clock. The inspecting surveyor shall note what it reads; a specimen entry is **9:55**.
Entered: **5:59**
